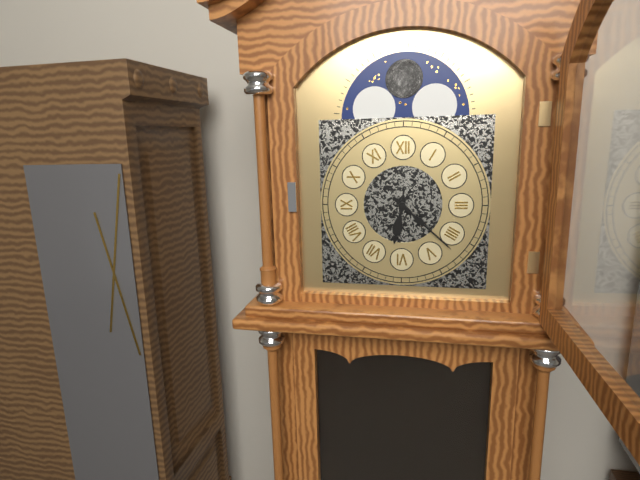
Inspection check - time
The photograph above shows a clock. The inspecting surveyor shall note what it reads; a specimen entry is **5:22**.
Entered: **6:22**
